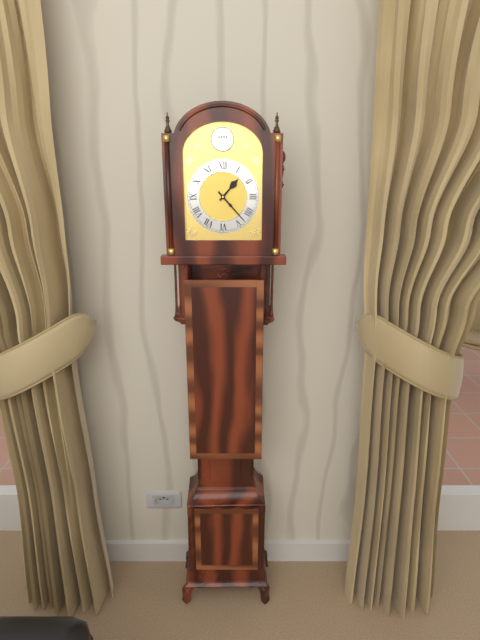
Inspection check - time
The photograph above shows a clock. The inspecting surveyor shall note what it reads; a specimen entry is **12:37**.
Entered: **1:23**
